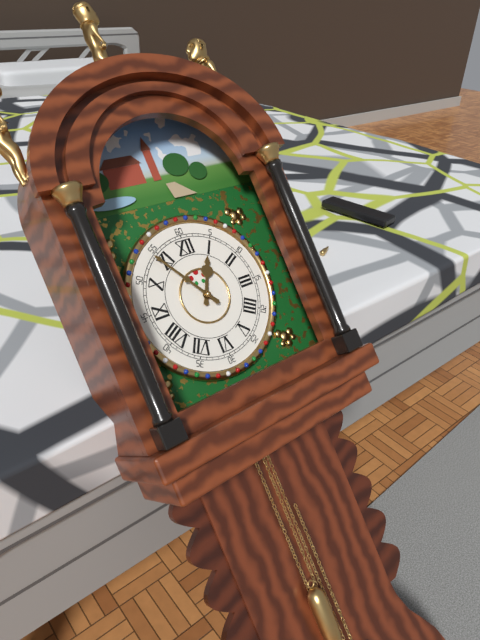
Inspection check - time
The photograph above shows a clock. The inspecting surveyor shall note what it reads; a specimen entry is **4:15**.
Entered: **12:54**
